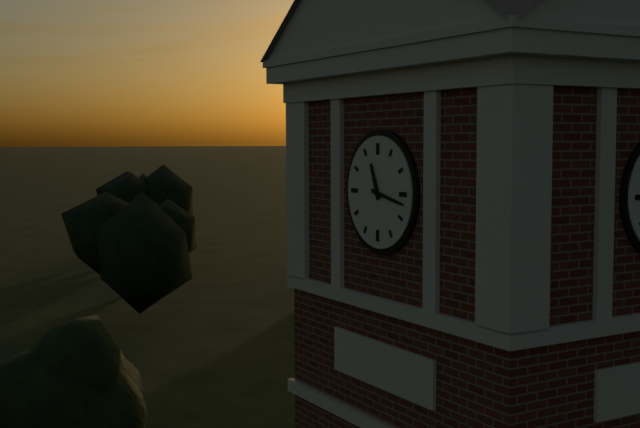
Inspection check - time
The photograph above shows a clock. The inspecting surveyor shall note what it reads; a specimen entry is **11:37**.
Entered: **11:17**
